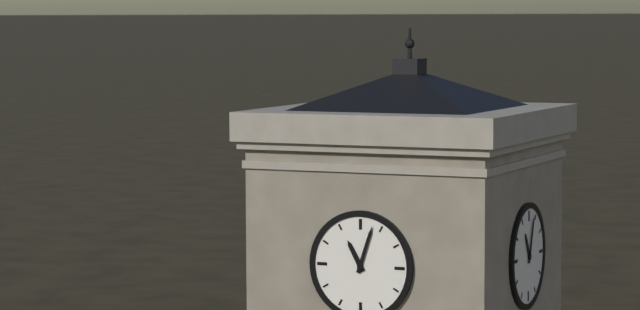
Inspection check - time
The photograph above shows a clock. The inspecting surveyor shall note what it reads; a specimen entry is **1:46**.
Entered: **11:03**
